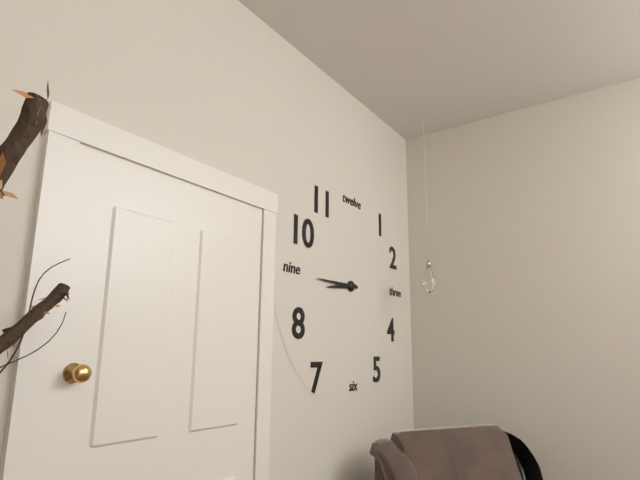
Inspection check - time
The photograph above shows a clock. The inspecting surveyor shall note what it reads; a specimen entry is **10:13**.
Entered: **8:45**
